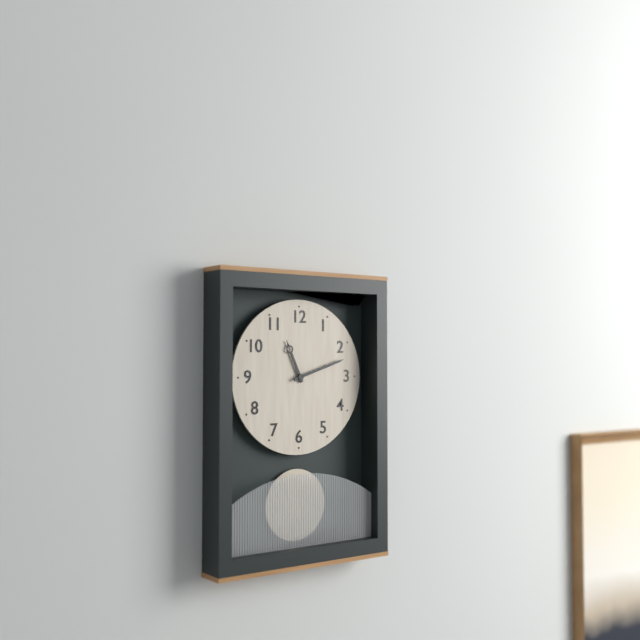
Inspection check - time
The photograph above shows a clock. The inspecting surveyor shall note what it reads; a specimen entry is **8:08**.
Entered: **11:12**
